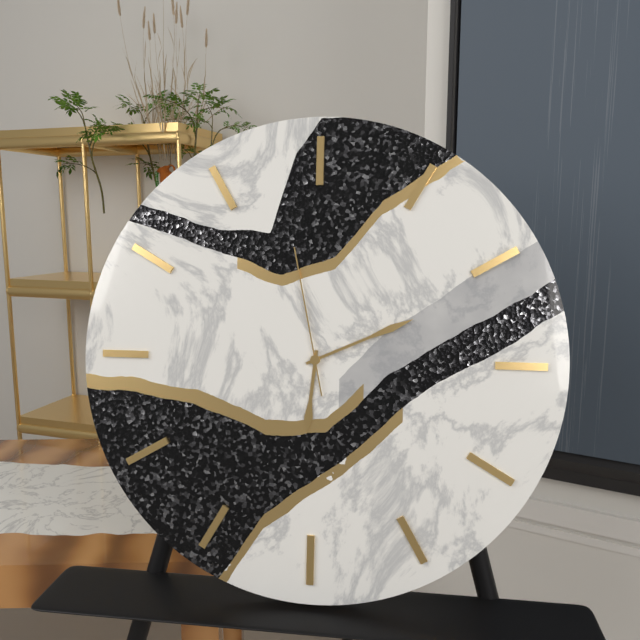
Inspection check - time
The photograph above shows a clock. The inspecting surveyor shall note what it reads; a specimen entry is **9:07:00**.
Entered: **6:11:58**
